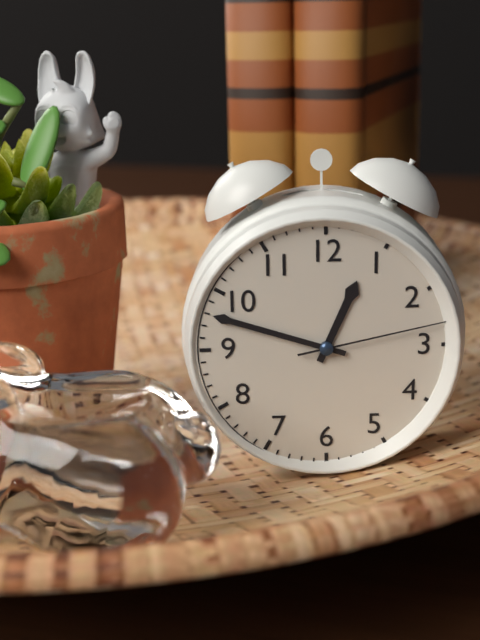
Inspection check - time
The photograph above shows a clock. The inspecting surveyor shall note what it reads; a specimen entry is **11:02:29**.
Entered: **12:48:13**
